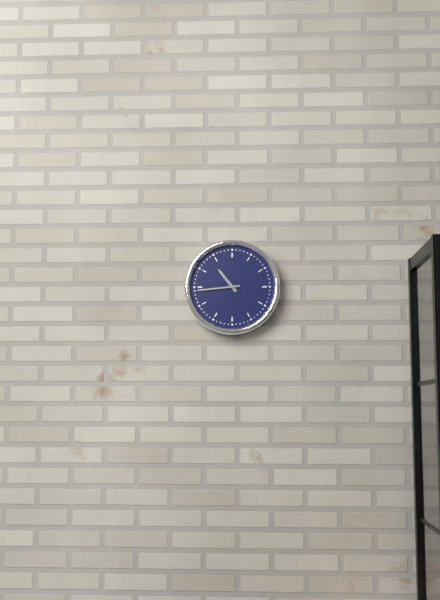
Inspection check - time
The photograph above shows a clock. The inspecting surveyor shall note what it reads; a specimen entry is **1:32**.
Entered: **10:44**
